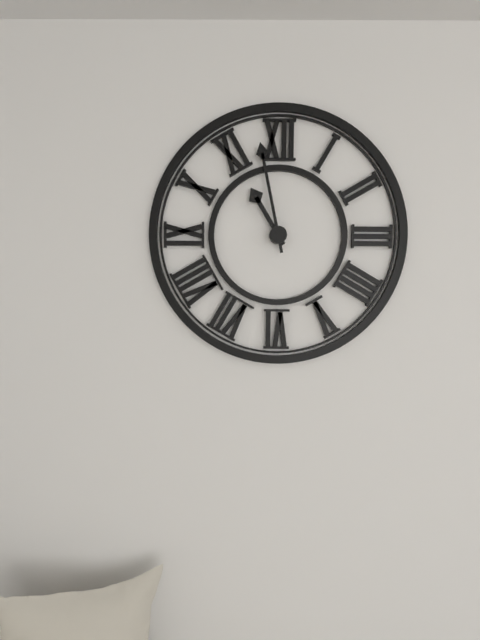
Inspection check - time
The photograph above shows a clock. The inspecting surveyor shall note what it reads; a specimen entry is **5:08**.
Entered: **10:58**
